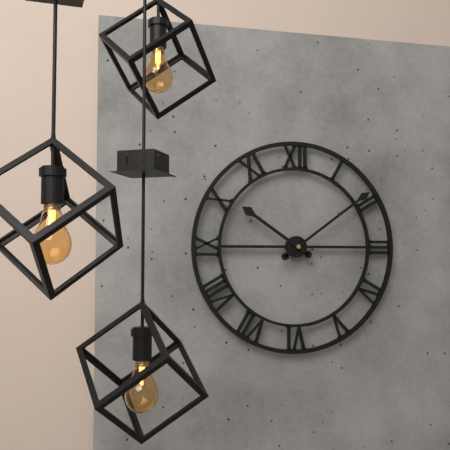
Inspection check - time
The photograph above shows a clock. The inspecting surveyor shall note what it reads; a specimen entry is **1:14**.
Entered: **10:09**
